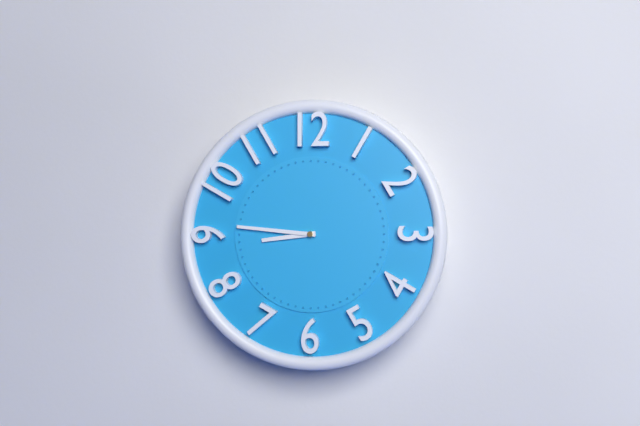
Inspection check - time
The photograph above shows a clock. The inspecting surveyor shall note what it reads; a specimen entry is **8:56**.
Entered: **8:46**
